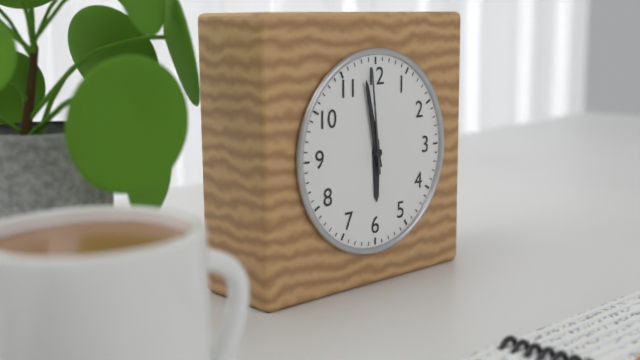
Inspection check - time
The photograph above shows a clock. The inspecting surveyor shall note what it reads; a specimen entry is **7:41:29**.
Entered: **5:58:59**
